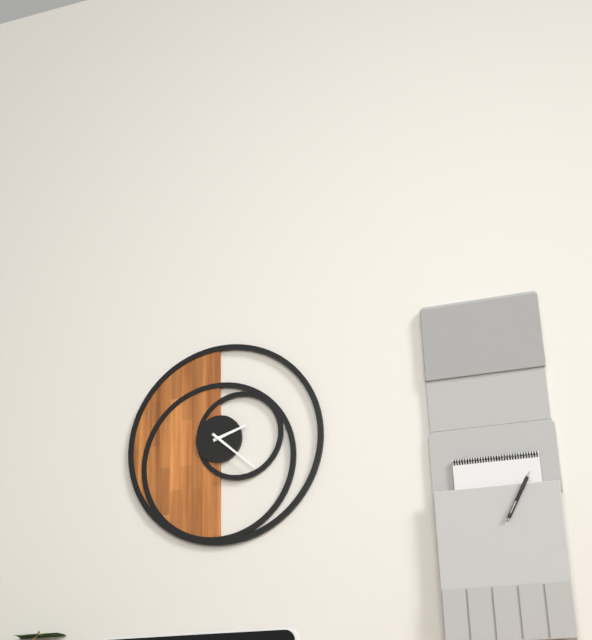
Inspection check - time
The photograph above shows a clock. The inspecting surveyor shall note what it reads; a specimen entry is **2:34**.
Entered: **2:22**
